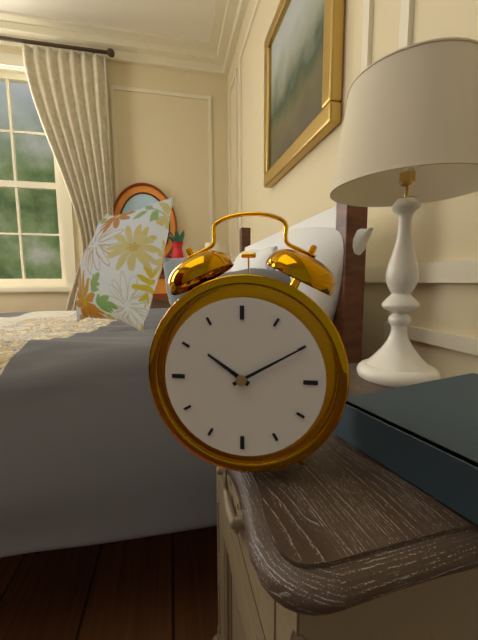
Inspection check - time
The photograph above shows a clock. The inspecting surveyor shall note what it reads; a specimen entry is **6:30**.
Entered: **10:10**
